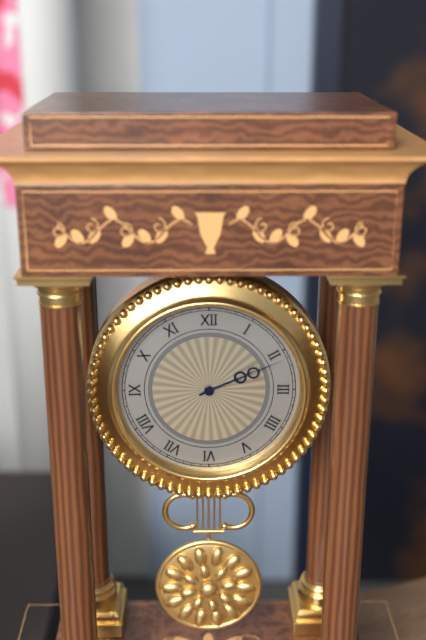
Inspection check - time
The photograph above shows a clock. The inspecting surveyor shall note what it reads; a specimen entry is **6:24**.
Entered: **2:11**
